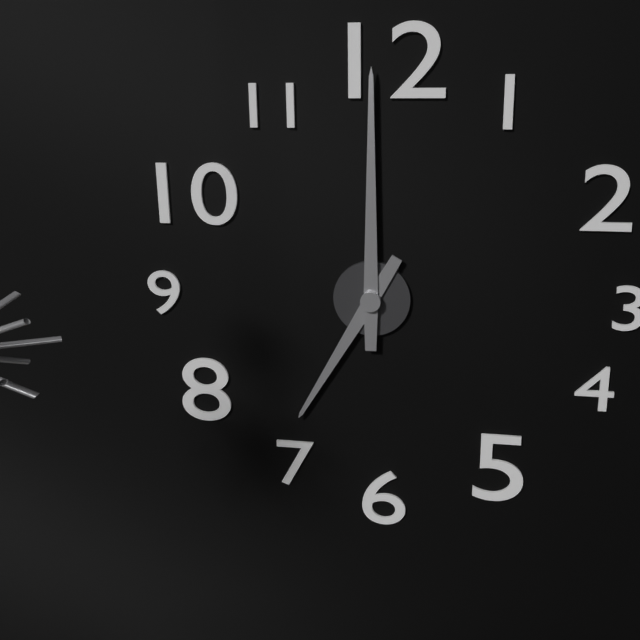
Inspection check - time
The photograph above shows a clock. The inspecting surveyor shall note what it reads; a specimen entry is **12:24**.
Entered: **7:00**
